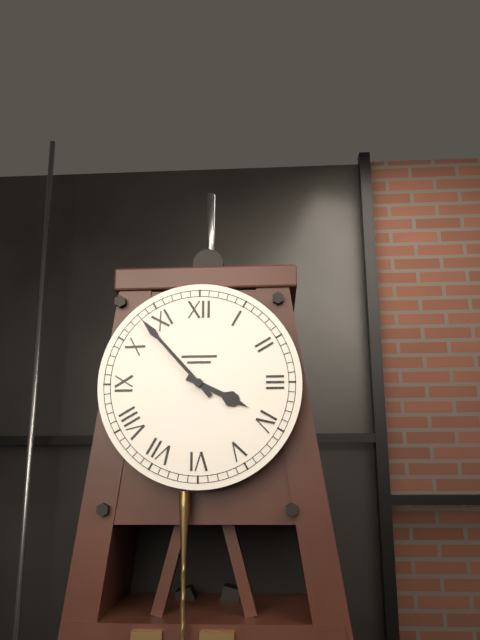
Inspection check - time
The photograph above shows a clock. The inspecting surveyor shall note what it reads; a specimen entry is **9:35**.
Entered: **3:53**
